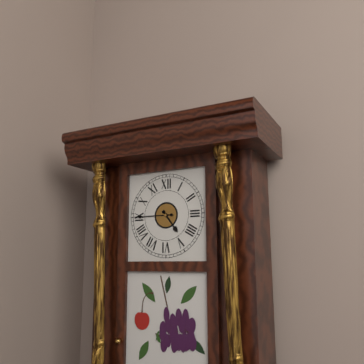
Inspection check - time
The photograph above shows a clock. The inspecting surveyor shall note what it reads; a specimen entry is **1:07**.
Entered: **4:45**
